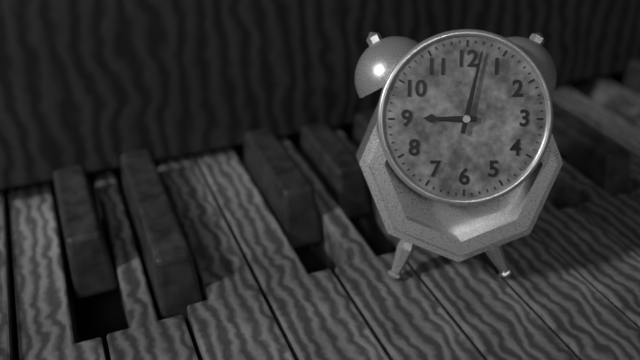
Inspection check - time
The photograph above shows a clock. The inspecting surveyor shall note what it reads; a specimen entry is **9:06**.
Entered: **9:02**
